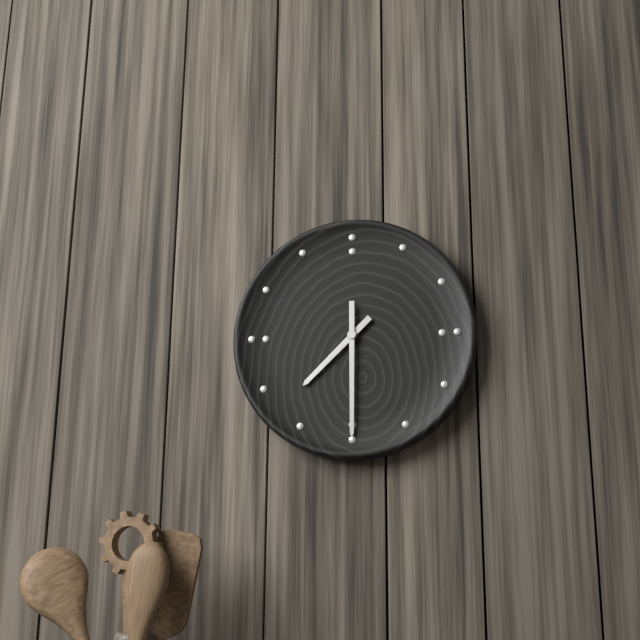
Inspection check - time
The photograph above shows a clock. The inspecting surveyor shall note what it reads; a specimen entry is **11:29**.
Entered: **7:30**
